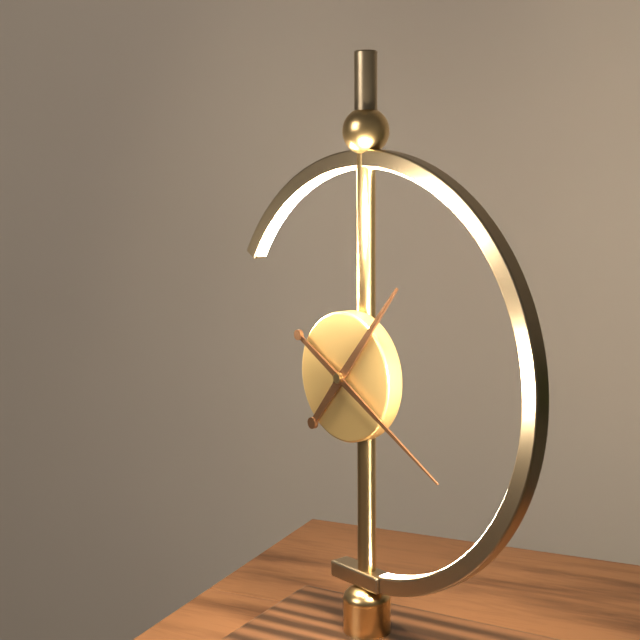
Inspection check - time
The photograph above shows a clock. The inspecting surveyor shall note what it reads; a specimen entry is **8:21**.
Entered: **1:20**
